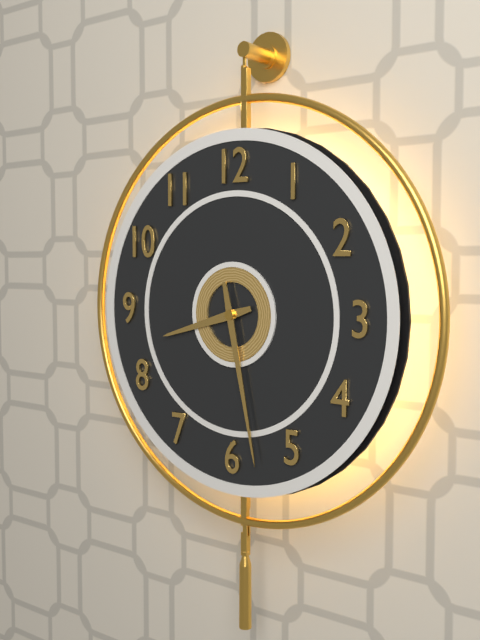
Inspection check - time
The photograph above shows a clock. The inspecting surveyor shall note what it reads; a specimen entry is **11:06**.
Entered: **8:28**
